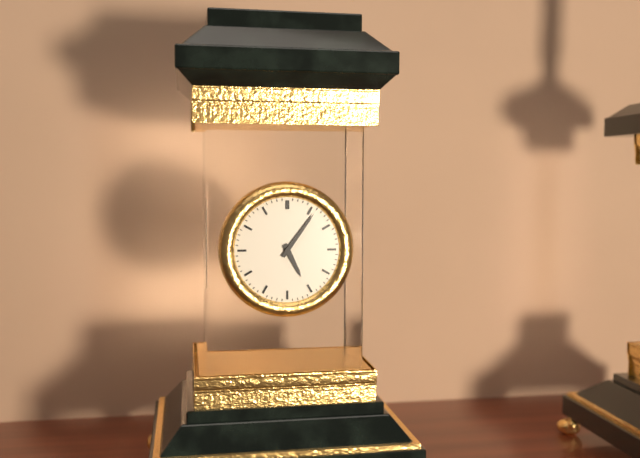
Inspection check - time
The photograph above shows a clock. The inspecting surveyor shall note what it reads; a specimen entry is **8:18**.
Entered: **5:06**
